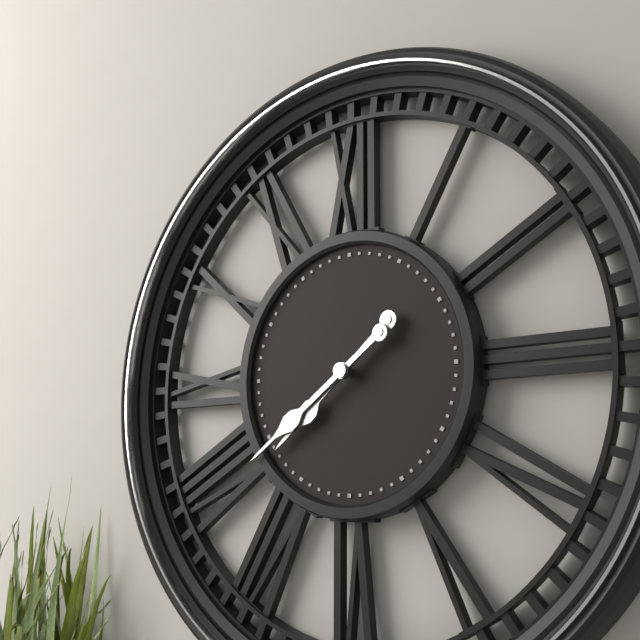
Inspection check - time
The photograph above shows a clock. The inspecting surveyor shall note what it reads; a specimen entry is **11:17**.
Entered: **7:39**
